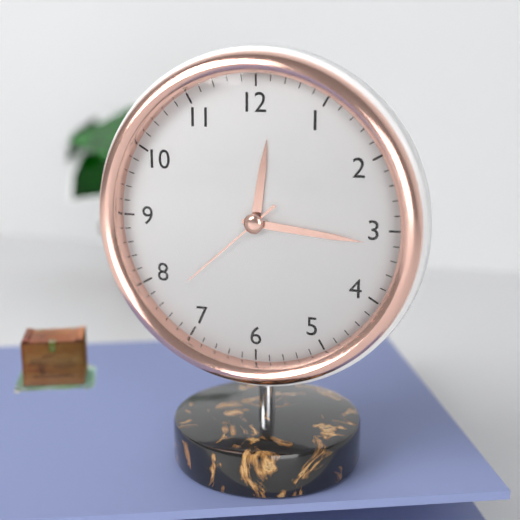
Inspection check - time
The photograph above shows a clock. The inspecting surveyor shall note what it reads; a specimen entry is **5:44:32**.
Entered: **12:16:38**
